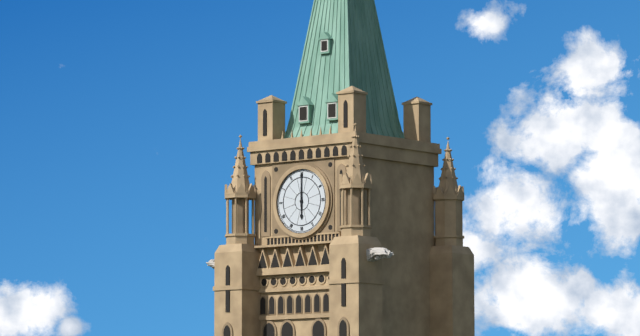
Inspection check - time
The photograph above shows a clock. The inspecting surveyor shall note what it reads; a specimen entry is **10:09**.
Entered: **6:00**
